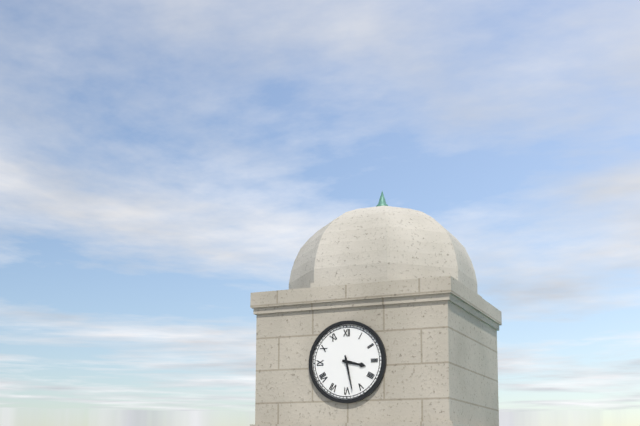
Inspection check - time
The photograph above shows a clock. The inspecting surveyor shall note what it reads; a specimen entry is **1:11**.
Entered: **3:28**
